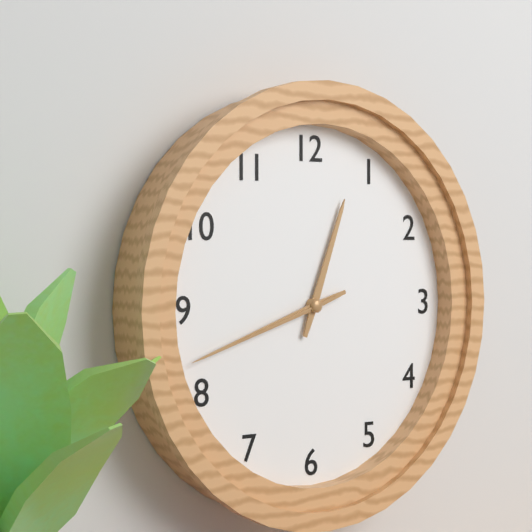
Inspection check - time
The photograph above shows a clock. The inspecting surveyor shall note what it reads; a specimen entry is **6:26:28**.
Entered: **12:42:42**
